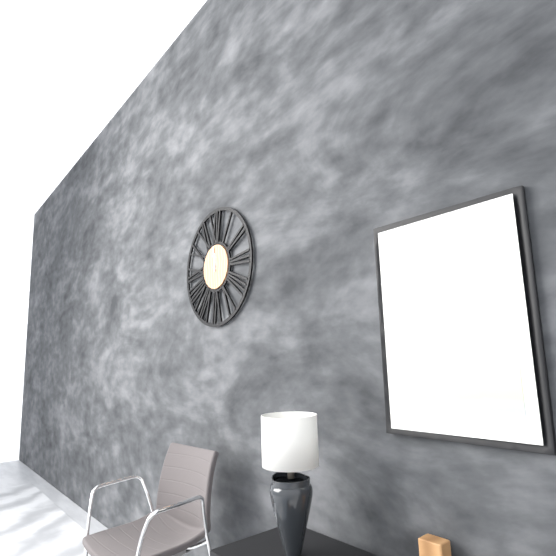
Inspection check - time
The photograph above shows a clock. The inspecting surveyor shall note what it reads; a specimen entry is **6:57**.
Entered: **11:59**
